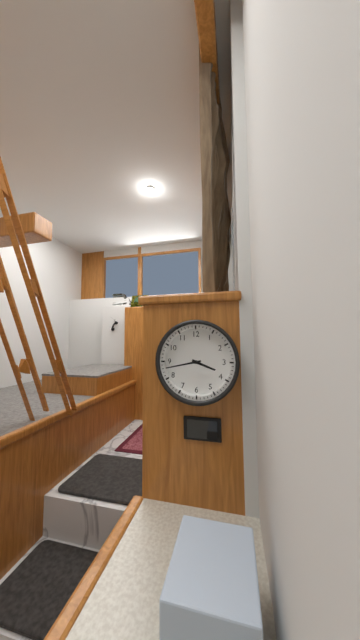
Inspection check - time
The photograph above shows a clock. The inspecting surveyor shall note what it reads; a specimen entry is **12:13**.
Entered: **3:43**
